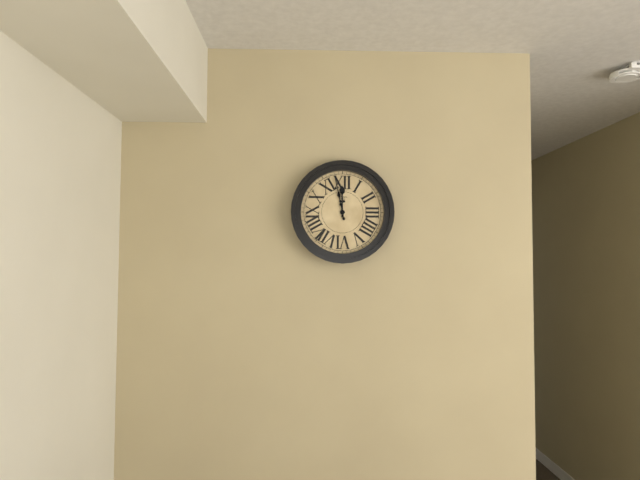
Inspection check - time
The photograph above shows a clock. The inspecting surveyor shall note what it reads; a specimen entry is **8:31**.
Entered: **11:58**
